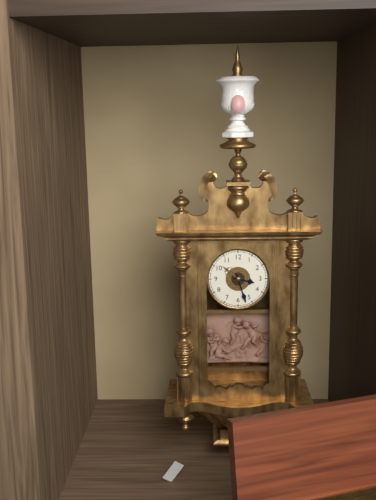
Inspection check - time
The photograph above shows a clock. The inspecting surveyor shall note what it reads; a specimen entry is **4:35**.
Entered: **3:27**
